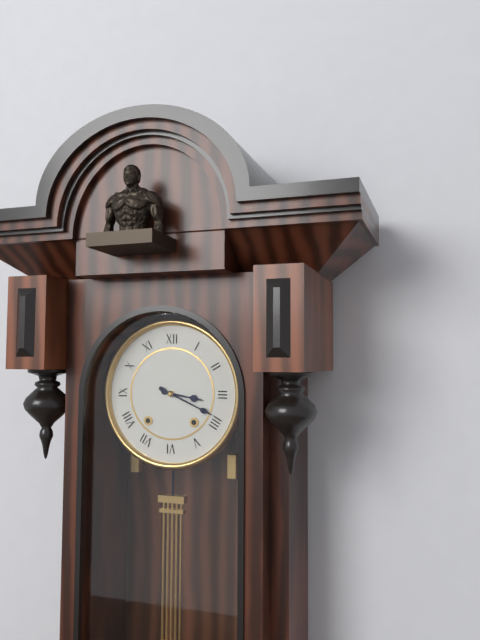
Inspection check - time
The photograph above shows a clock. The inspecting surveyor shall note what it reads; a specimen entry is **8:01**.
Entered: **3:19**
